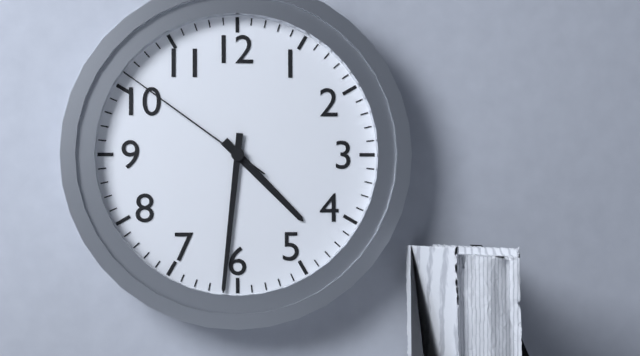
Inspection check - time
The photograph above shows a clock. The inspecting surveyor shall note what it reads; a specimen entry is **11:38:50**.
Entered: **4:31:51**
